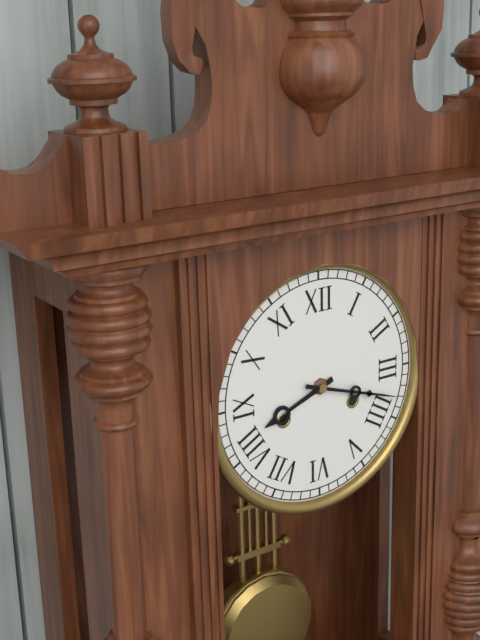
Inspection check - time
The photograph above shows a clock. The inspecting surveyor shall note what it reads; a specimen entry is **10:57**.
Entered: **8:18**
